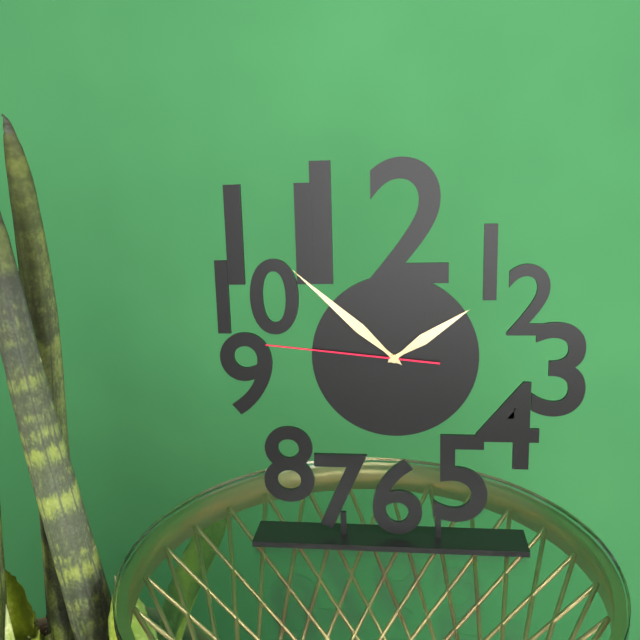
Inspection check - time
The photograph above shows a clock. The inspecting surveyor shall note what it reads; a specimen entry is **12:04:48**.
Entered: **1:52:46**
